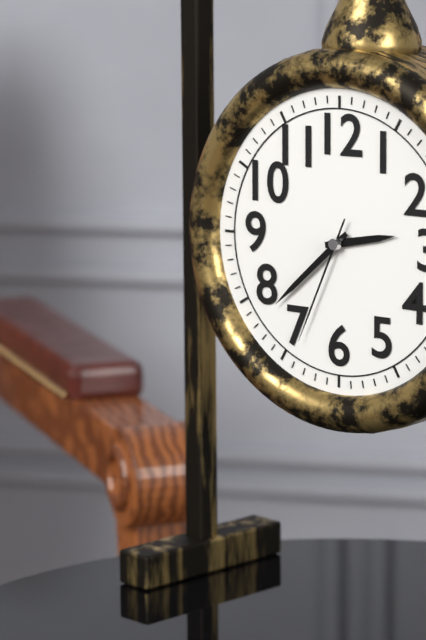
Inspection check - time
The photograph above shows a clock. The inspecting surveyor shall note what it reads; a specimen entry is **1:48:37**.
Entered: **2:38:34**
